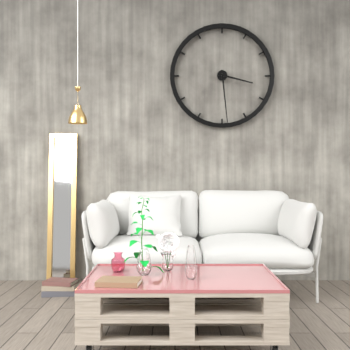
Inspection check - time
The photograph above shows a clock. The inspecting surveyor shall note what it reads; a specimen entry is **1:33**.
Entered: **3:29**
